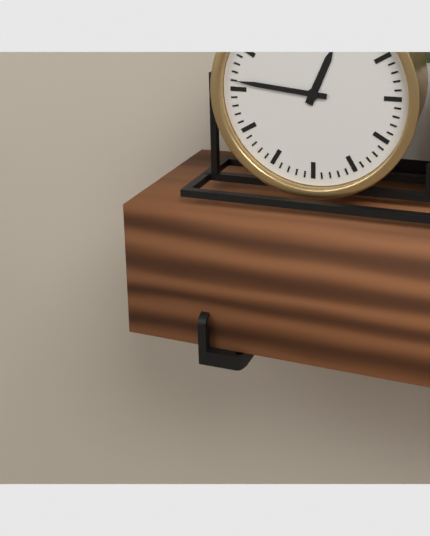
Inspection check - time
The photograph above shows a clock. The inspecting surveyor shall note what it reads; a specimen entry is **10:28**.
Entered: **12:46**
